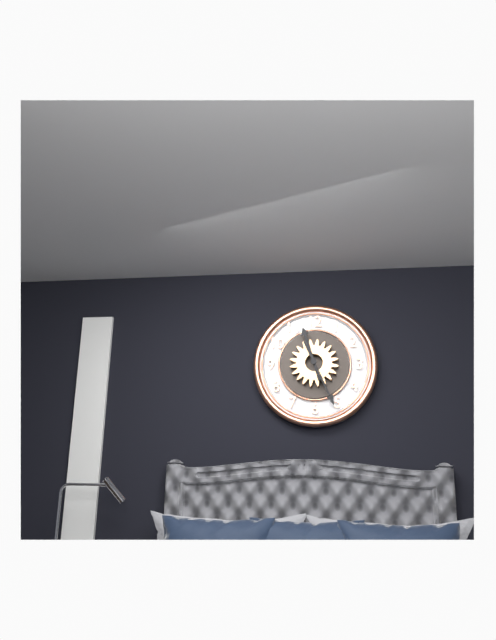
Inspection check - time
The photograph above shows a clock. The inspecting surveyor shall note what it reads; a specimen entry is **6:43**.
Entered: **11:26**
